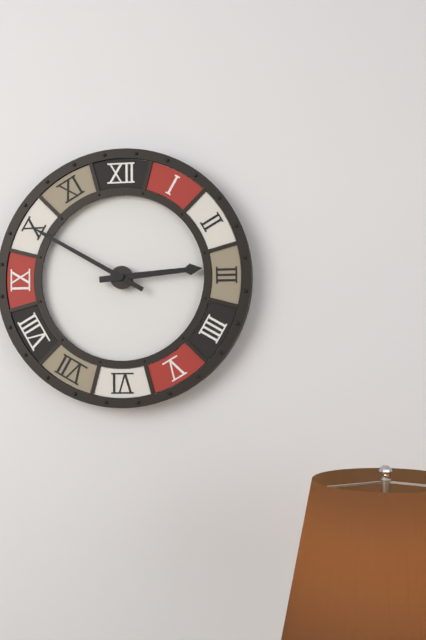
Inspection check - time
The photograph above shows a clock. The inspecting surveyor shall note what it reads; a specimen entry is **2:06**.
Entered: **2:50**
